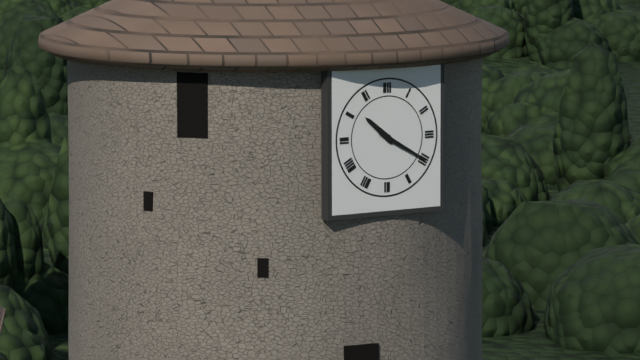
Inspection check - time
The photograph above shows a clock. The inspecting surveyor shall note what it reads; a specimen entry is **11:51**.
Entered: **10:20**
